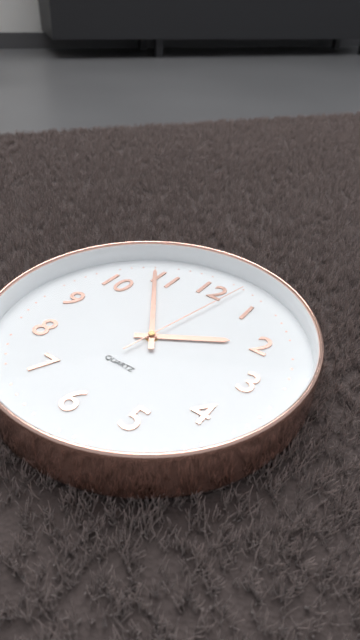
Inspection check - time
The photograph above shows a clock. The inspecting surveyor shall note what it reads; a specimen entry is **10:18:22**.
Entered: **1:54:02**
